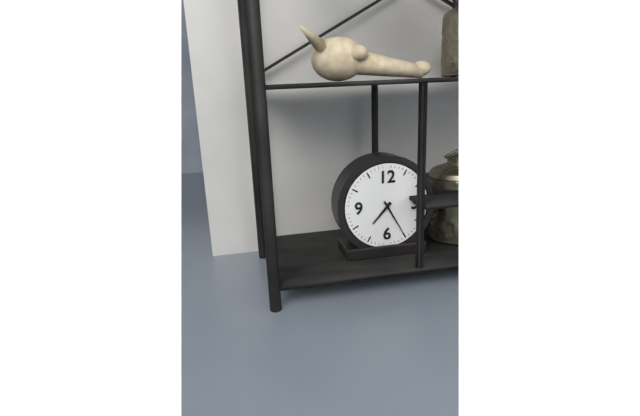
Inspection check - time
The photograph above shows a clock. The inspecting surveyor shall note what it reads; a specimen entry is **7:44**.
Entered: **7:25**
